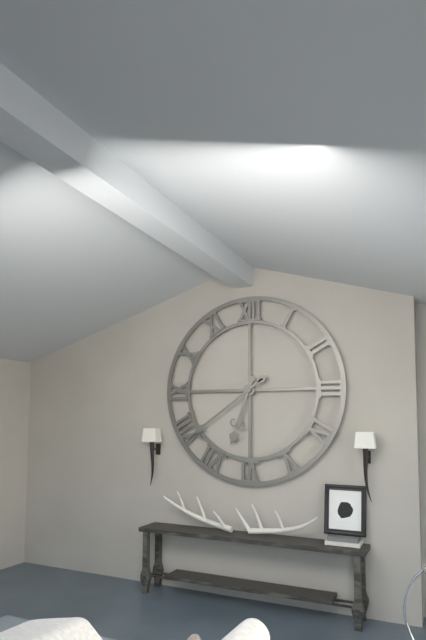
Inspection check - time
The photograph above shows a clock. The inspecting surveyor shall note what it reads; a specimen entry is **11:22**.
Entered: **6:39**
